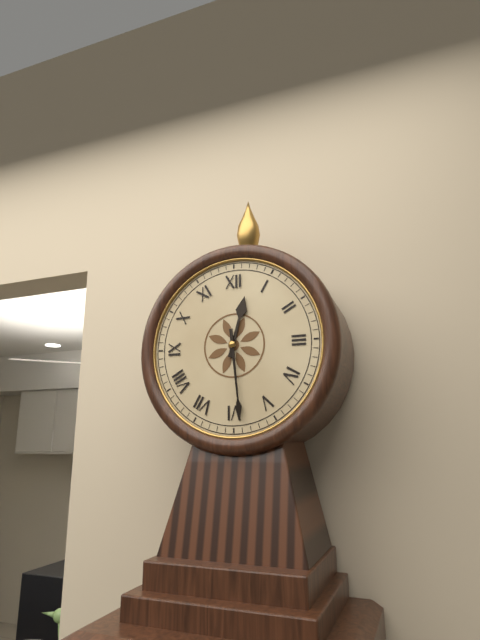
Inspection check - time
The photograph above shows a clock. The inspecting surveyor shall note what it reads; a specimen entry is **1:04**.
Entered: **12:29**
